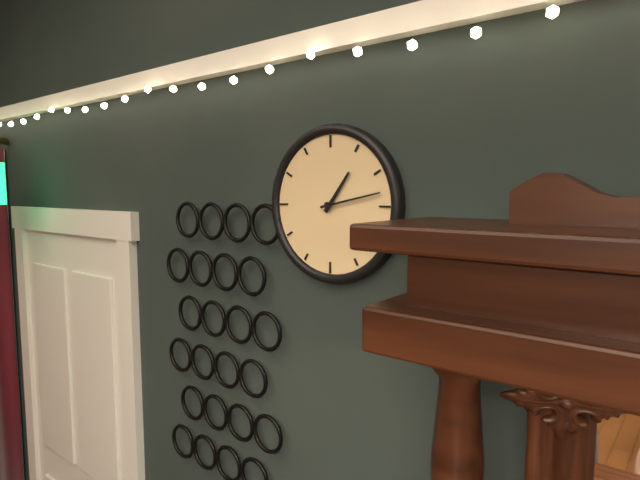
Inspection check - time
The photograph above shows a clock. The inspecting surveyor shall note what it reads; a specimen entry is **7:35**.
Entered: **1:13**
